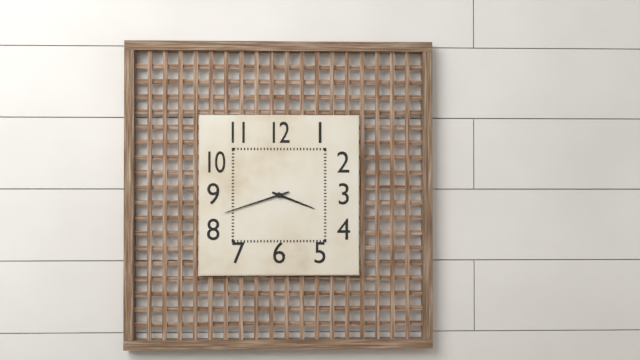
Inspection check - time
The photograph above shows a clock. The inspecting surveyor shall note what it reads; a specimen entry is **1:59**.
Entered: **3:42**
